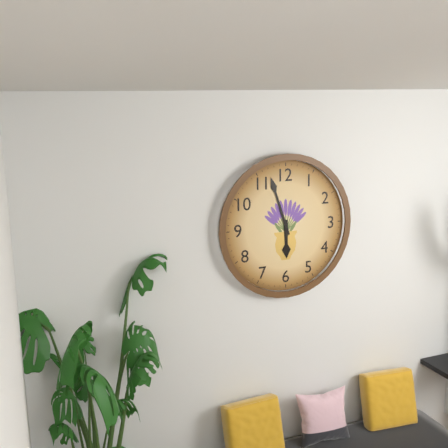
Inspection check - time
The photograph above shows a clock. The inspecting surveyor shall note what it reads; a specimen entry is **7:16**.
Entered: **5:57**
